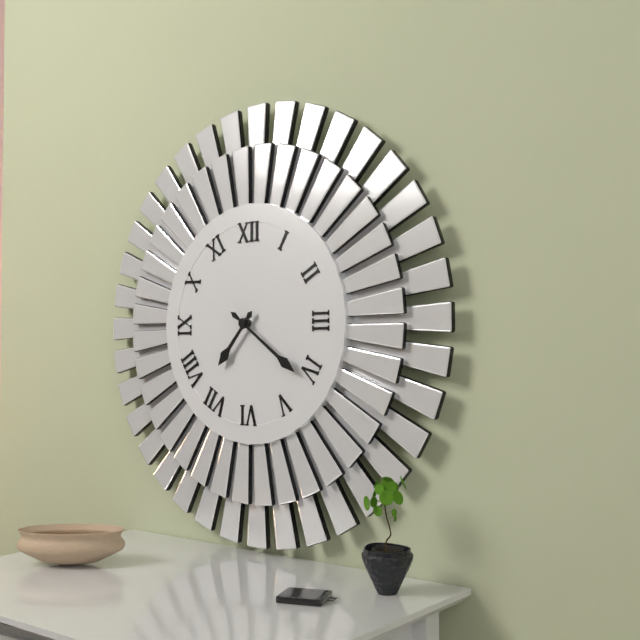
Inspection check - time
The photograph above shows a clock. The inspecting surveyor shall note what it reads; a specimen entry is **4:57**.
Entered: **7:21**
